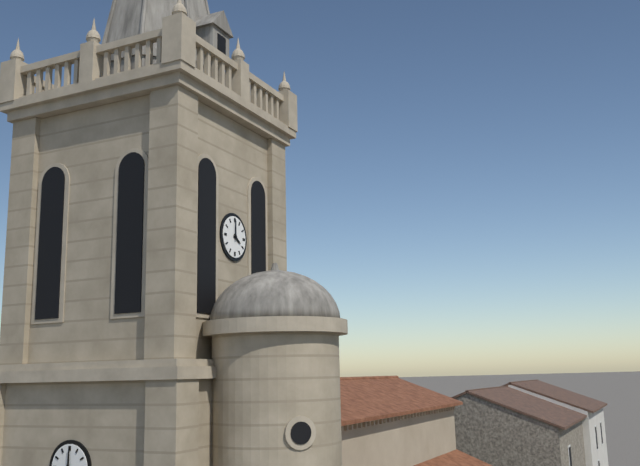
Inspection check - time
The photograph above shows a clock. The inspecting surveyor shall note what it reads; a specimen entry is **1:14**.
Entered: **4:00**
